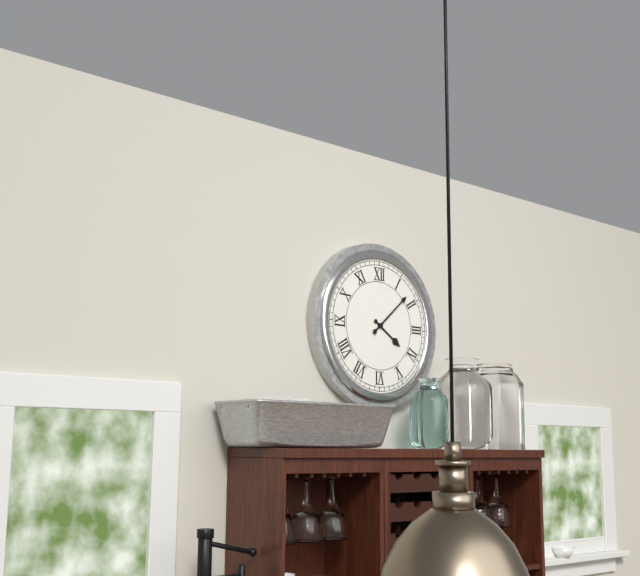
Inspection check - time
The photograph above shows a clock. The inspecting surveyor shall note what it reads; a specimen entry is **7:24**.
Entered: **4:08**
